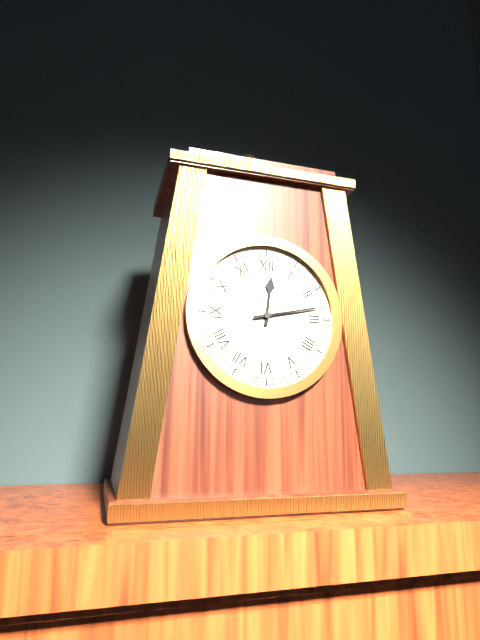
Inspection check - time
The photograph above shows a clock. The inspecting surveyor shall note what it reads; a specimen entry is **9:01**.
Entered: **12:13**
